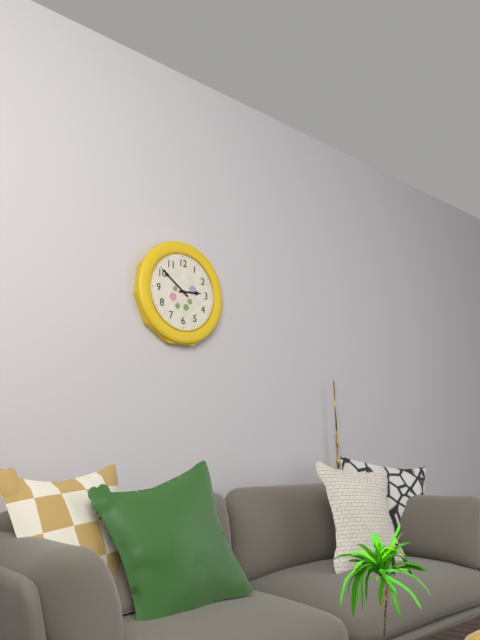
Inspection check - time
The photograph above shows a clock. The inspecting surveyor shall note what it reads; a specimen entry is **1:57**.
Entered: **2:51**
